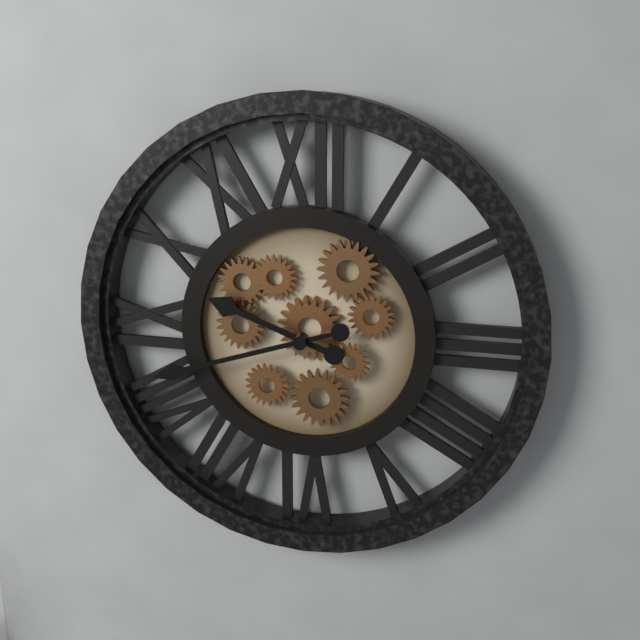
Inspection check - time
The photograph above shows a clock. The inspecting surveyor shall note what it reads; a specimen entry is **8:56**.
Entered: **9:42**
